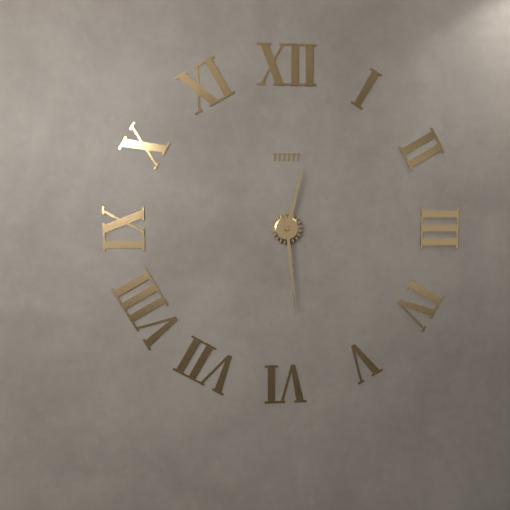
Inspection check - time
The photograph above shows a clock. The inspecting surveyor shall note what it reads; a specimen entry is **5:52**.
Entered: **12:29**
